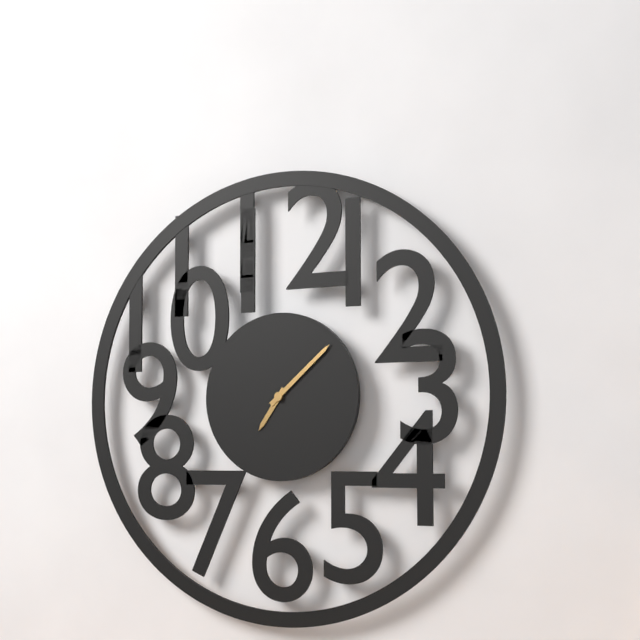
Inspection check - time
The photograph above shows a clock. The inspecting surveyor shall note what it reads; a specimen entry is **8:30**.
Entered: **7:08**
